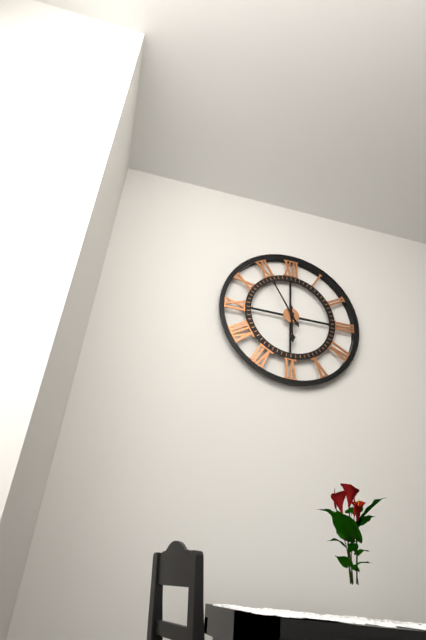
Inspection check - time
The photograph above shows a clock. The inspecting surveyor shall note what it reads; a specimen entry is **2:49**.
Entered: **5:55**
